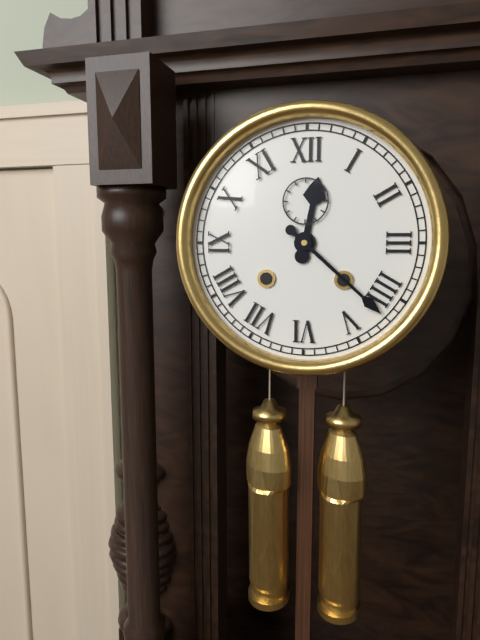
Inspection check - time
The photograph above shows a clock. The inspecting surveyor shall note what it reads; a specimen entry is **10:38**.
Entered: **12:22**
